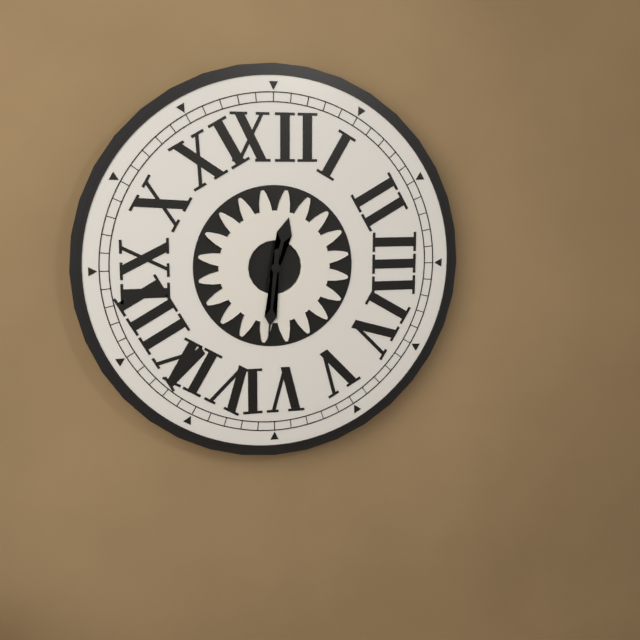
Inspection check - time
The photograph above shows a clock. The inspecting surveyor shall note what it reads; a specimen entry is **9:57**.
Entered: **12:31**
